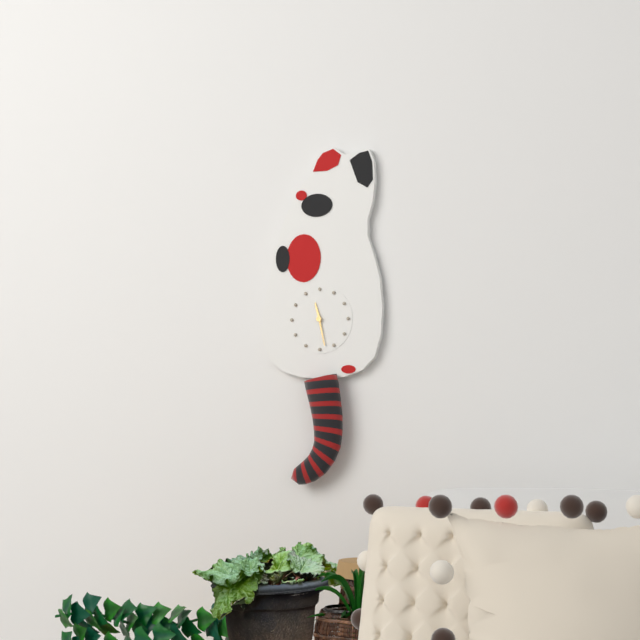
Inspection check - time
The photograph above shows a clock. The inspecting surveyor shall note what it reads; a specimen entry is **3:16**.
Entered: **11:28**
